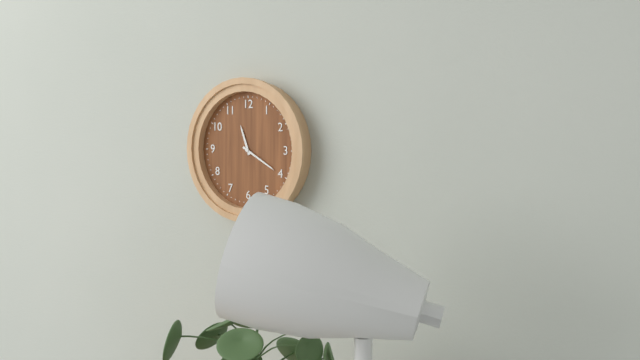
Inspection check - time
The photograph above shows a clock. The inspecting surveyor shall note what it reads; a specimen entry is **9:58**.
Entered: **11:20**
